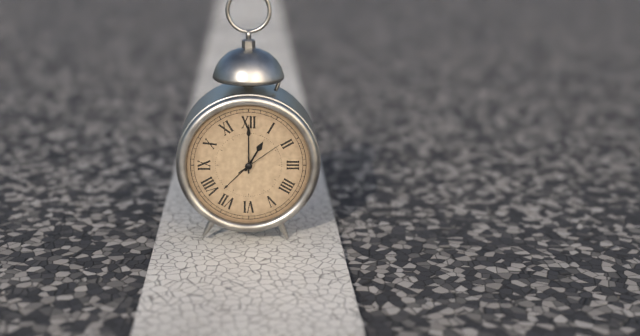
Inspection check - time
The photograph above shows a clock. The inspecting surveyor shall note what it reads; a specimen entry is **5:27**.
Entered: **1:00**
